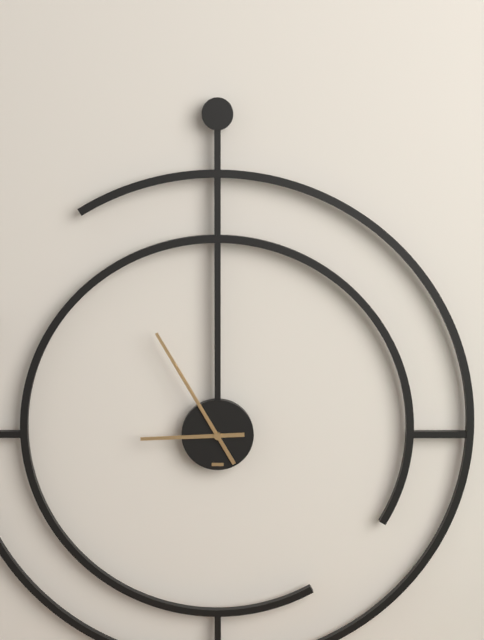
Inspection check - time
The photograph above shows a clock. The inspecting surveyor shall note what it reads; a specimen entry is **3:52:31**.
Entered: **8:55:55**
